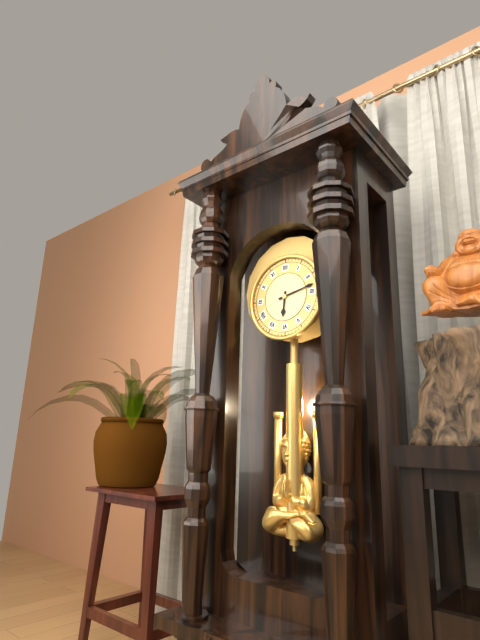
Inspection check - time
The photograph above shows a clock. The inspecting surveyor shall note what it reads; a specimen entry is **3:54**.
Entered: **6:13**
